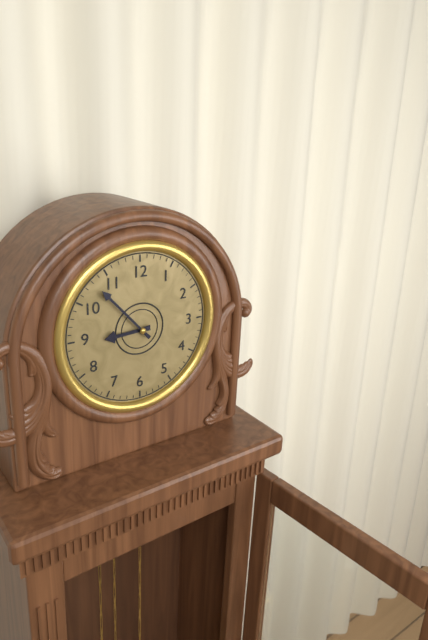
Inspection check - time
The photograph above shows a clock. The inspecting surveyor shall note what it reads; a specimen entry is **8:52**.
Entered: **8:53**
